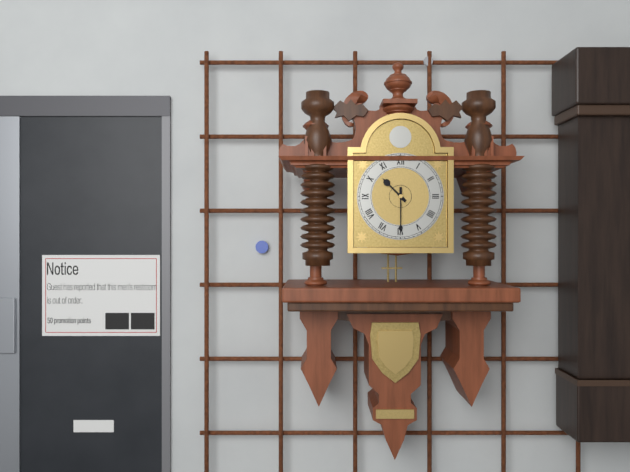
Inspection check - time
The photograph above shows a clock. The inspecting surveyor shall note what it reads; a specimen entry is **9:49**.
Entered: **10:30**
